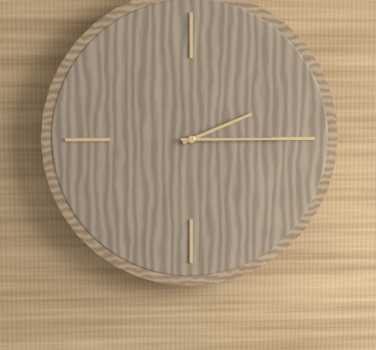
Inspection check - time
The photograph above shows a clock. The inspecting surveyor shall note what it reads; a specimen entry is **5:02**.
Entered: **2:15**
